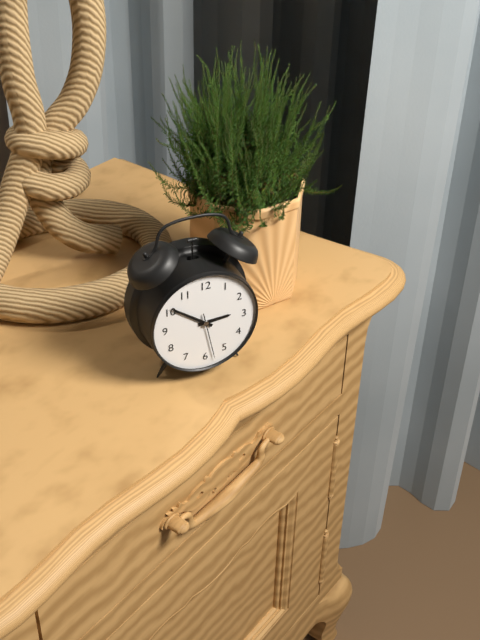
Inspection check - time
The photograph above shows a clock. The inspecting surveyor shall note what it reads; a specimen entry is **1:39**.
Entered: **2:51**
